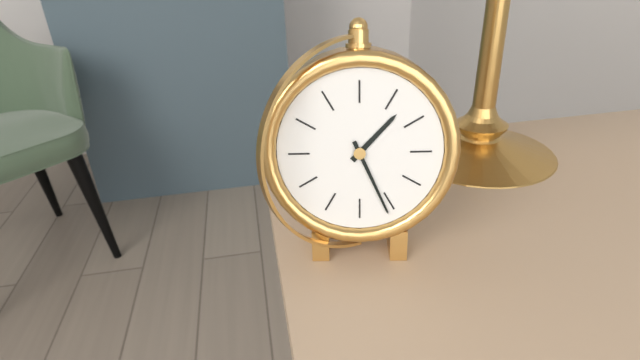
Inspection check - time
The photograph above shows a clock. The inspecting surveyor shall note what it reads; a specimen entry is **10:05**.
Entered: **1:26**
